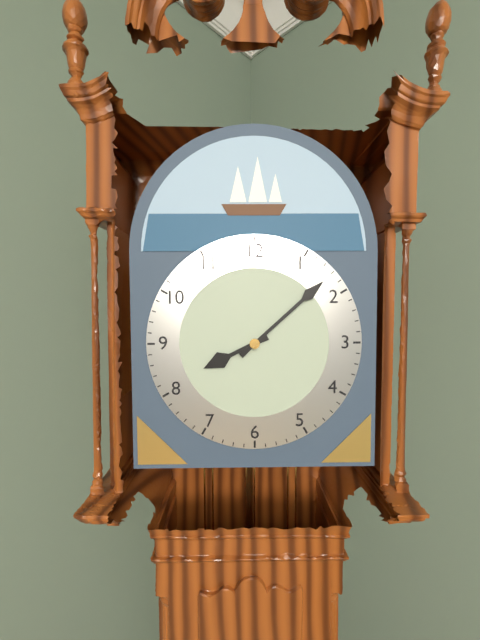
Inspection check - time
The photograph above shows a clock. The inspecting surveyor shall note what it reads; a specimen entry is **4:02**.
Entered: **8:08**
